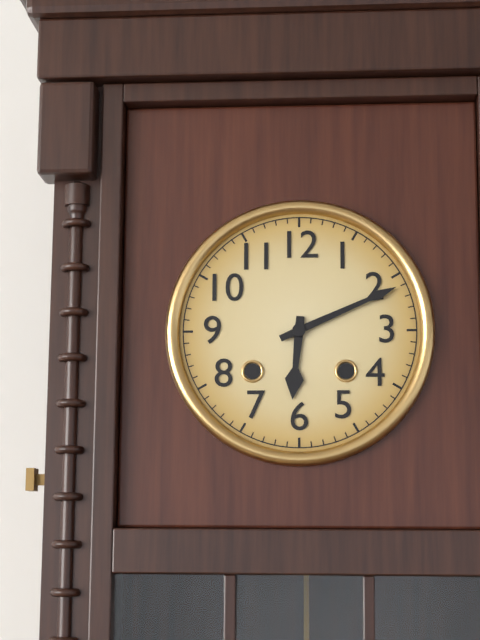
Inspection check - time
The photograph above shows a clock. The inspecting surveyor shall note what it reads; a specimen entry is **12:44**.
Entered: **6:11**
